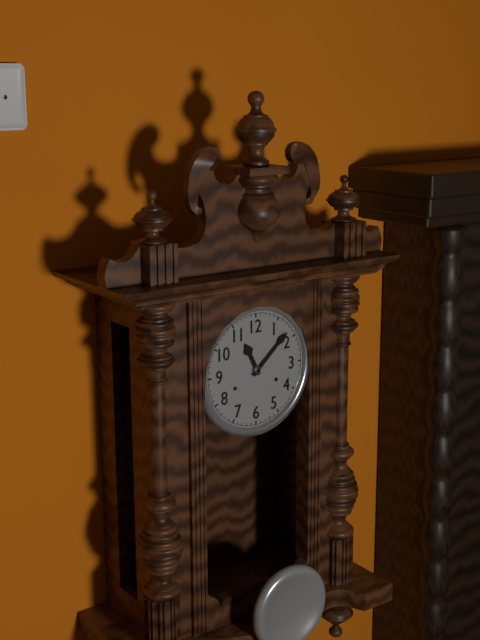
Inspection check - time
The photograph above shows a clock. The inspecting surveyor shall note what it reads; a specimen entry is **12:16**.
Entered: **11:08**
